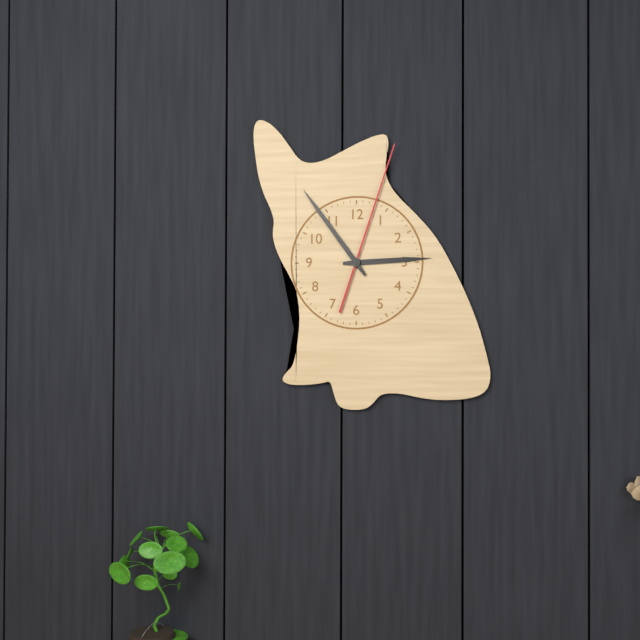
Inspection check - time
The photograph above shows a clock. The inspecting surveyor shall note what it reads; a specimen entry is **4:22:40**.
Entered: **2:54:03**
